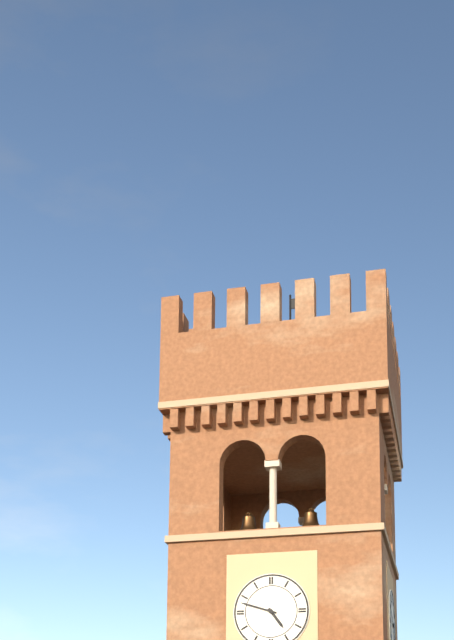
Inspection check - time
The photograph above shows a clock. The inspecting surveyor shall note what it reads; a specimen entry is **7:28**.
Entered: **4:48**
